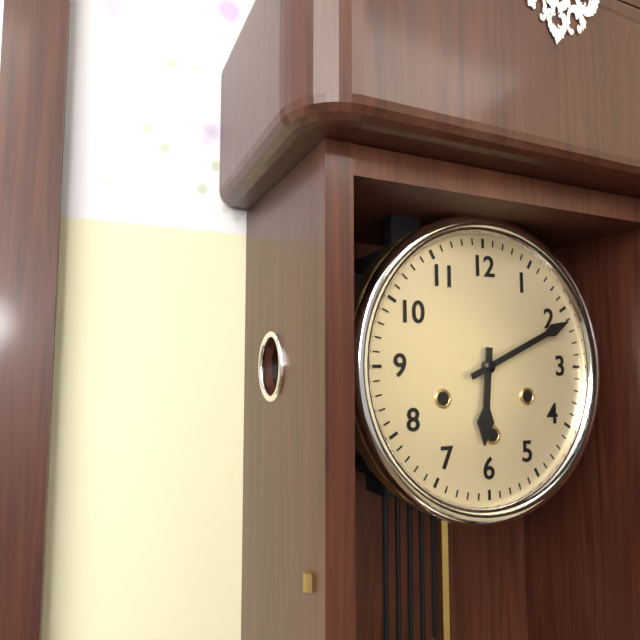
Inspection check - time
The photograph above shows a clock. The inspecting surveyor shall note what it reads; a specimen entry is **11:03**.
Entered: **6:11**
